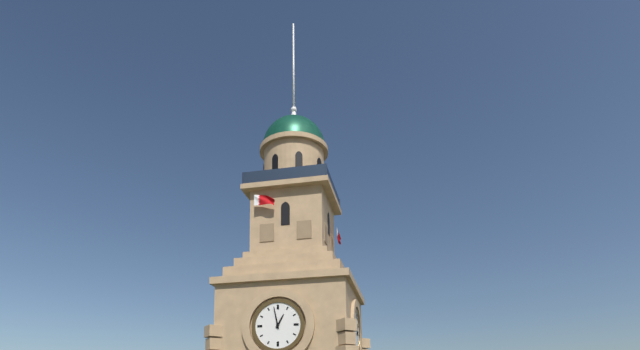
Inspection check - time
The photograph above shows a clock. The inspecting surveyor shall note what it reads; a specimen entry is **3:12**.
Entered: **12:58**
